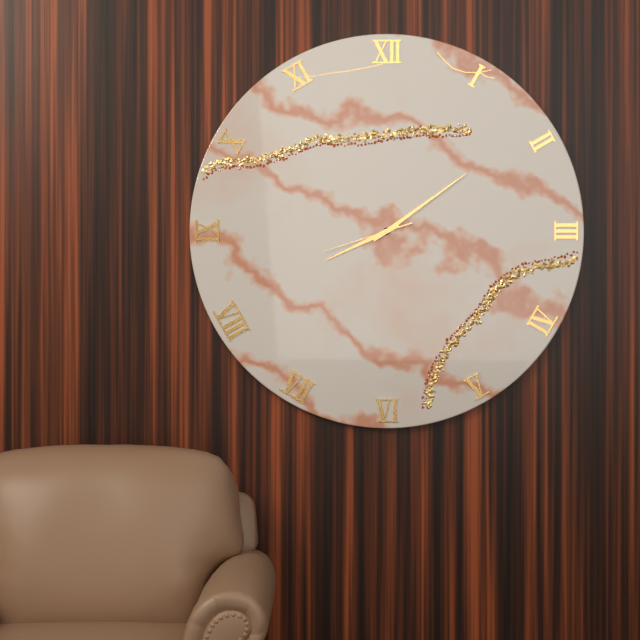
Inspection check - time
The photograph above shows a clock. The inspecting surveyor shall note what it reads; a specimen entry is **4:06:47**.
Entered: **8:09:42**
